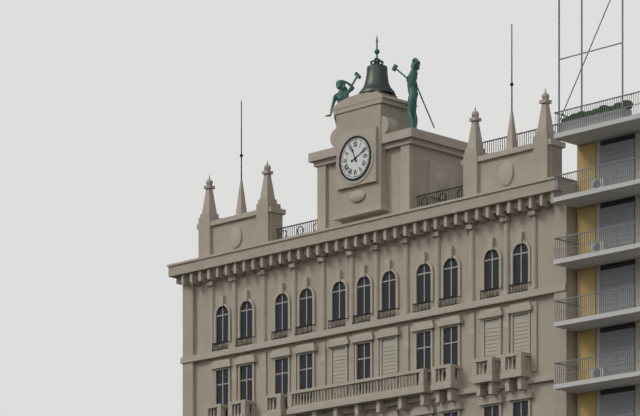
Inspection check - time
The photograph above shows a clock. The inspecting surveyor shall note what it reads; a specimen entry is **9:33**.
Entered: **11:11**
